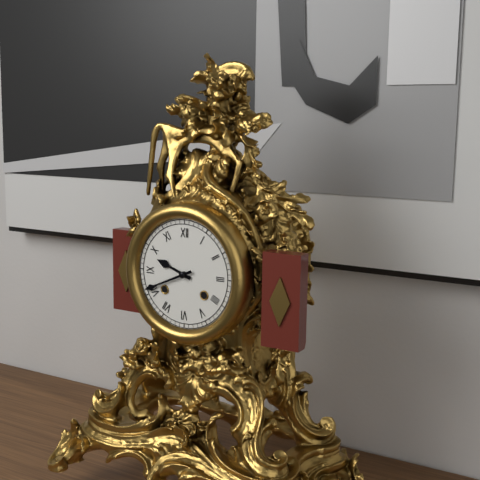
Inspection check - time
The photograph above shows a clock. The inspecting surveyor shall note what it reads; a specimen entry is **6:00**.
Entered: **9:41**
